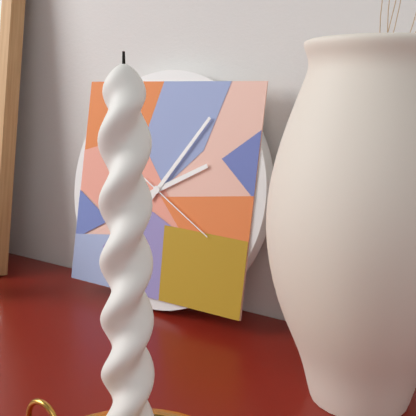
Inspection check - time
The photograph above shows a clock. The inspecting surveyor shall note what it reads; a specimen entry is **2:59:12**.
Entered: **2:06:20**
